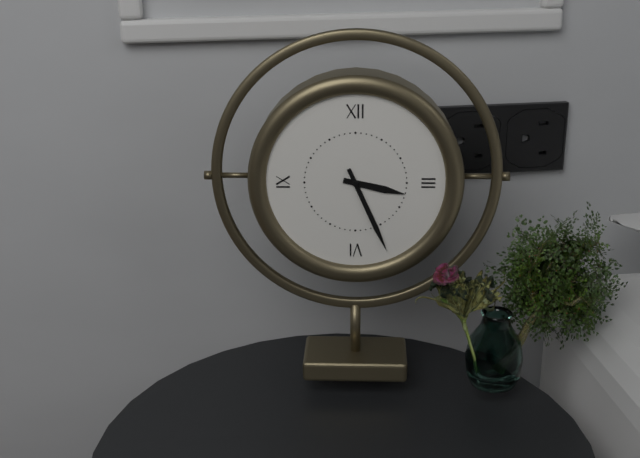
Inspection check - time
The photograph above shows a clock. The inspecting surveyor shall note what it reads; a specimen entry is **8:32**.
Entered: **3:26**
